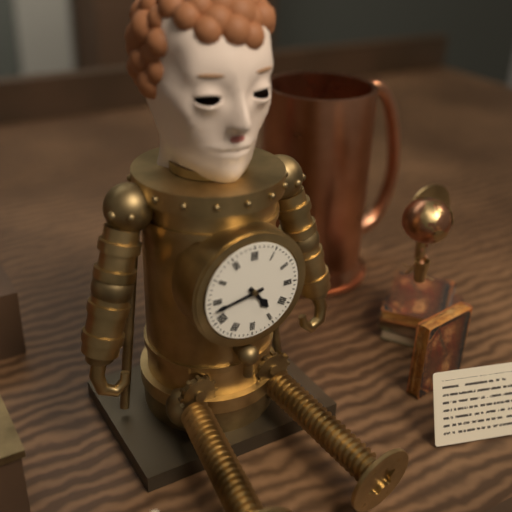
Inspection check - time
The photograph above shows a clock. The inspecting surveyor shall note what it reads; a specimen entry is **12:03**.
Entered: **4:43**
